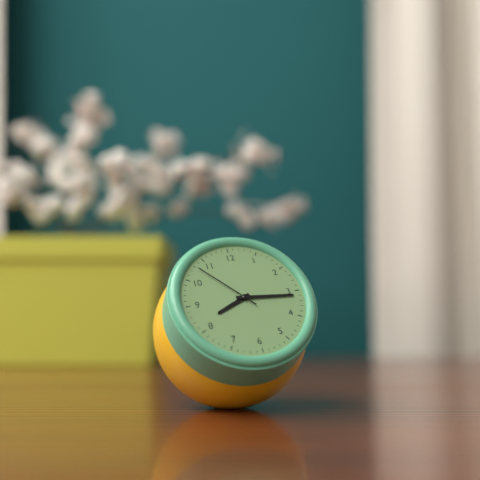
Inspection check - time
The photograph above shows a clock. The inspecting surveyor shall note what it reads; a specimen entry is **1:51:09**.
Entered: **8:16:53**
